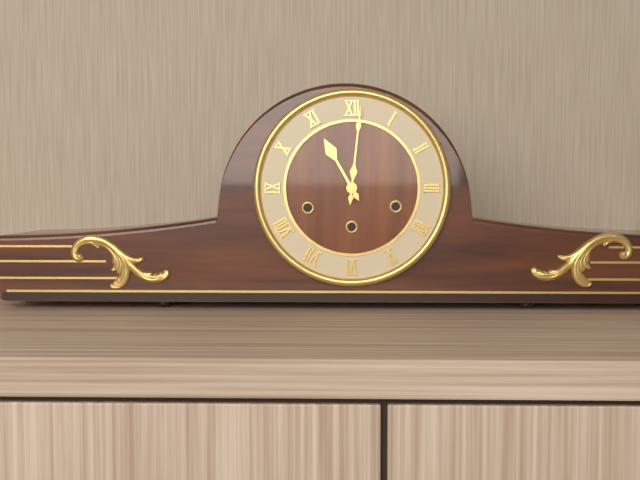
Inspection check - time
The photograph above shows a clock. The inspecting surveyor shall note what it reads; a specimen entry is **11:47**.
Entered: **11:01**
